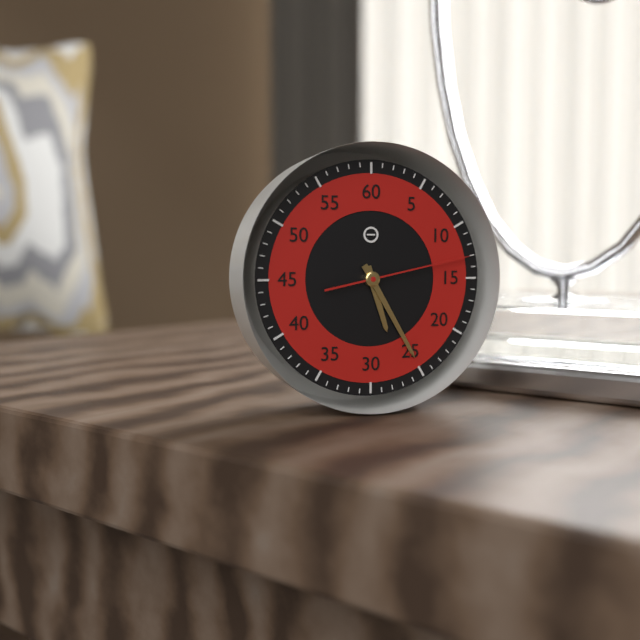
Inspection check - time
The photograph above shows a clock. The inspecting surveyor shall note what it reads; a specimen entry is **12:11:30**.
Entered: **5:25:13**
